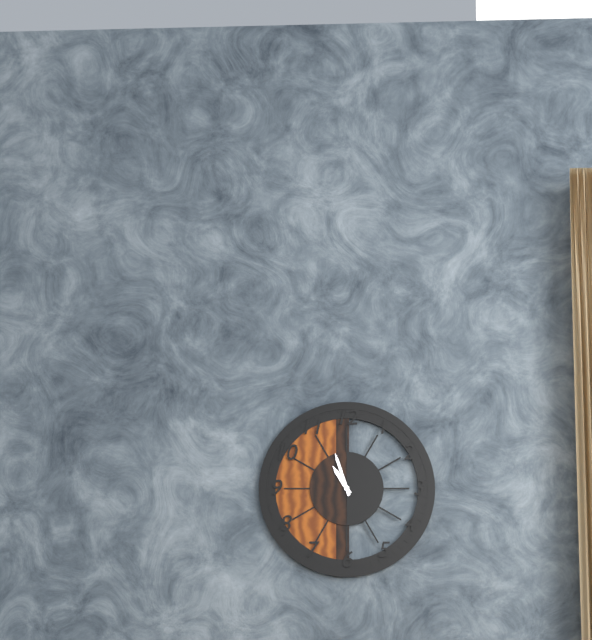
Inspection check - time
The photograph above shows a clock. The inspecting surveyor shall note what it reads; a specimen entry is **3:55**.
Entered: **10:57**
